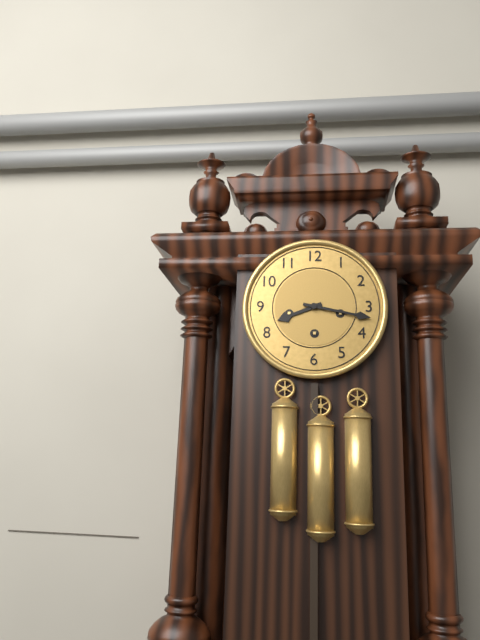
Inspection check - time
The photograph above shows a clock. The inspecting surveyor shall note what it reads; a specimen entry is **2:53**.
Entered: **8:17**
